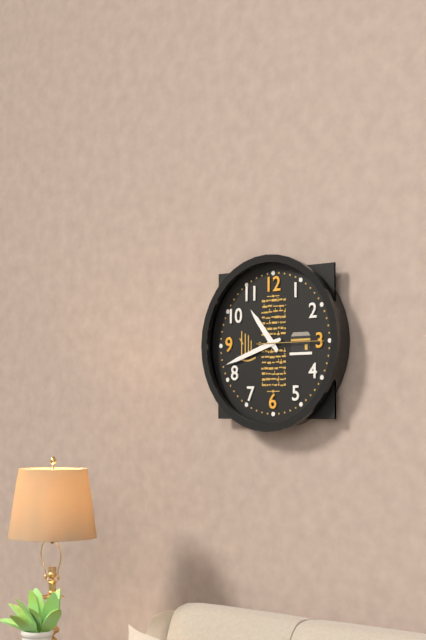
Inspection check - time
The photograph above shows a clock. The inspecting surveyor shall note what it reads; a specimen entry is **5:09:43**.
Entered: **10:42:15**
